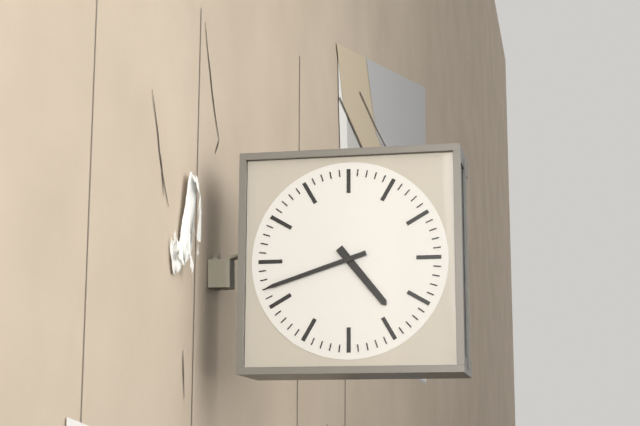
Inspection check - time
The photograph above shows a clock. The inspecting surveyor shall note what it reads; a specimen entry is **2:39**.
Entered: **4:42**
